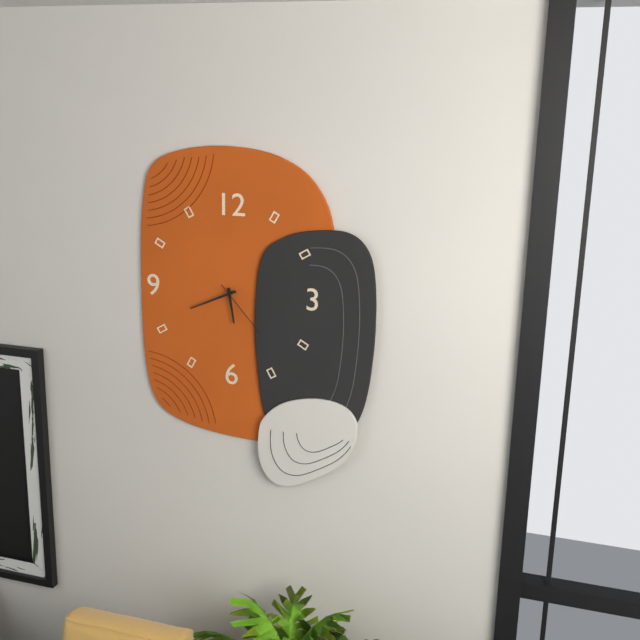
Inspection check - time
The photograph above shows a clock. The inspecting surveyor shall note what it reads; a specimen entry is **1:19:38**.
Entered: **5:41:23**
